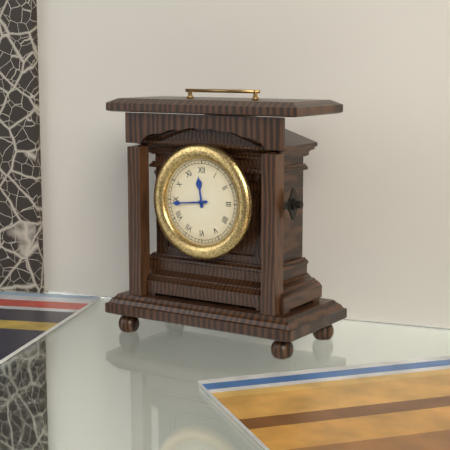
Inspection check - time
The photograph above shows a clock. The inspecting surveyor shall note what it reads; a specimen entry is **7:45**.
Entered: **11:44**
